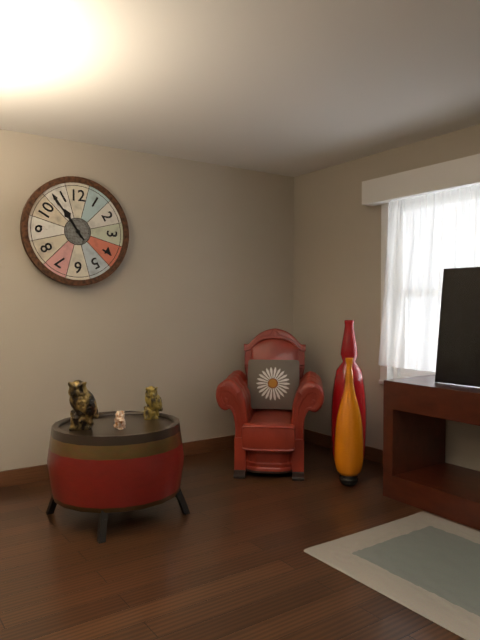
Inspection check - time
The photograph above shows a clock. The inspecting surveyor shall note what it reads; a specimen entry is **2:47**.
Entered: **10:54**
